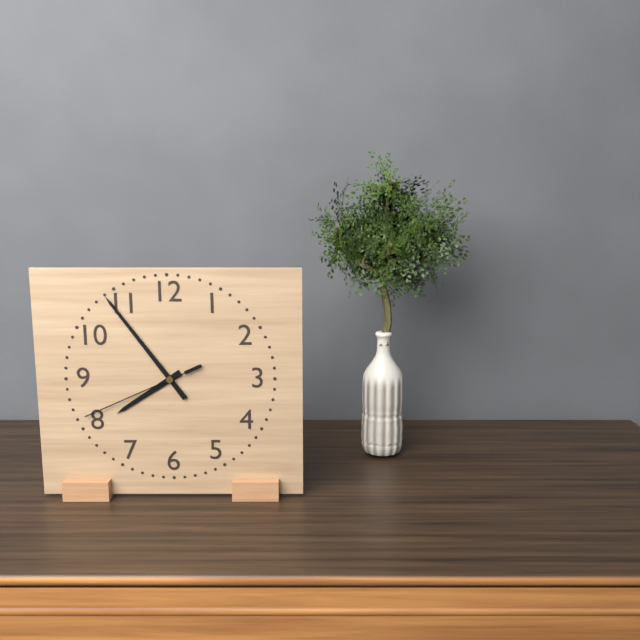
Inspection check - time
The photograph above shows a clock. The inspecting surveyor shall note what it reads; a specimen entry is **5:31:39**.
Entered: **7:54:41**
